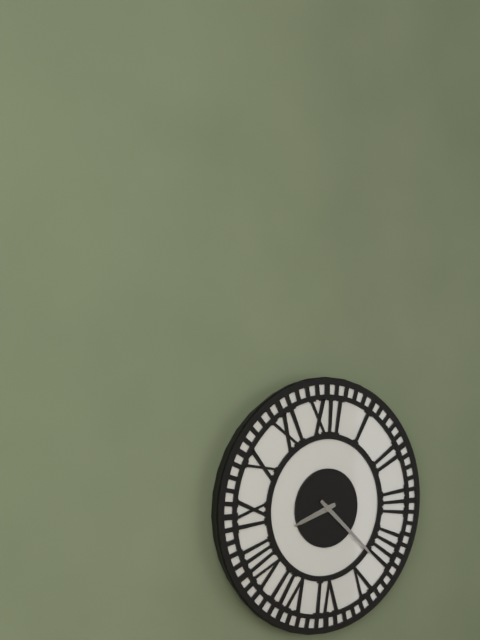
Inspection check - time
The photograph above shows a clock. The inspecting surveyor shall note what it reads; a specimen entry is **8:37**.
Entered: **8:22**
